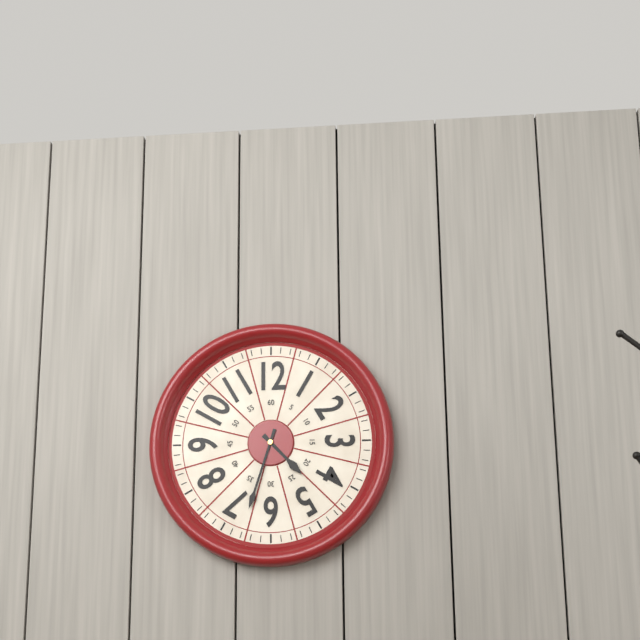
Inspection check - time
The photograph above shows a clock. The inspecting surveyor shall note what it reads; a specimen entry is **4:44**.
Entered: **4:33**
